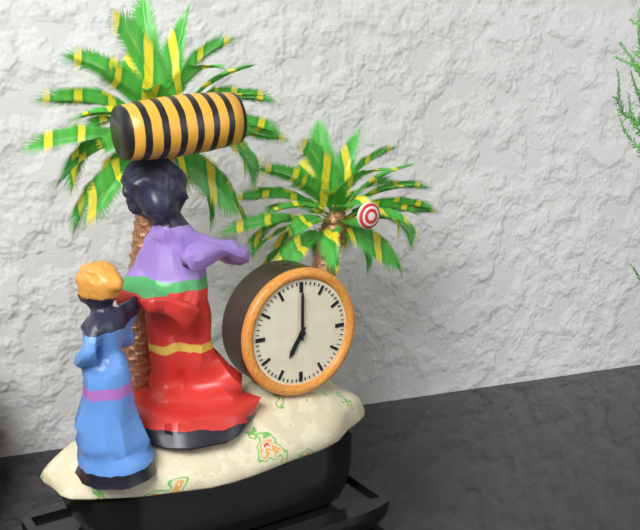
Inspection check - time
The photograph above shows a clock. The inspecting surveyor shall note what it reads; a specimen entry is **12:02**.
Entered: **7:00**
